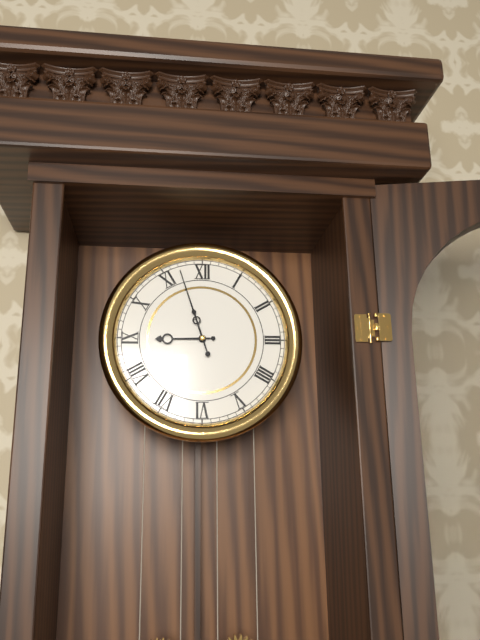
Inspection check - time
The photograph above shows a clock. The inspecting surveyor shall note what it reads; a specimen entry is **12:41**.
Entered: **8:57**
